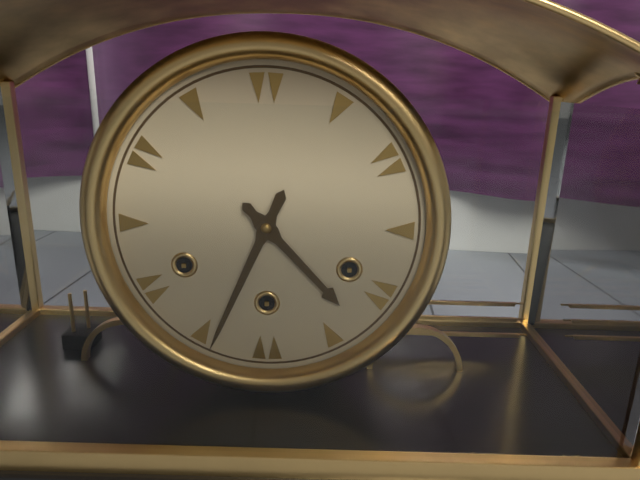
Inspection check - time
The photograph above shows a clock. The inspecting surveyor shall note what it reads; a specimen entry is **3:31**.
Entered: **4:34**
